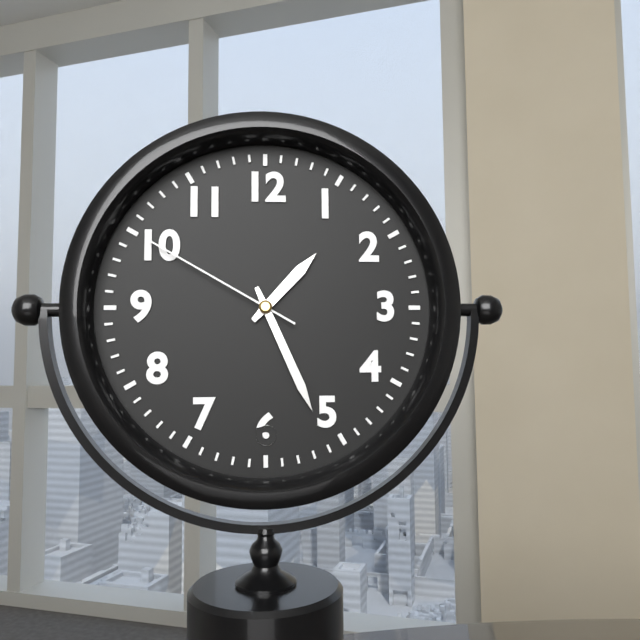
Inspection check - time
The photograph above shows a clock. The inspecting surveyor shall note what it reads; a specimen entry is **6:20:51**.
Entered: **1:26:50**
